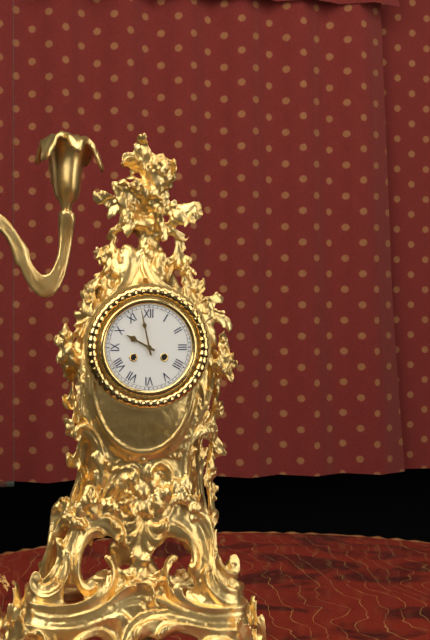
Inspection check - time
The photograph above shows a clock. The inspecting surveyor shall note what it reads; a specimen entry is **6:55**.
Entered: **9:58**
